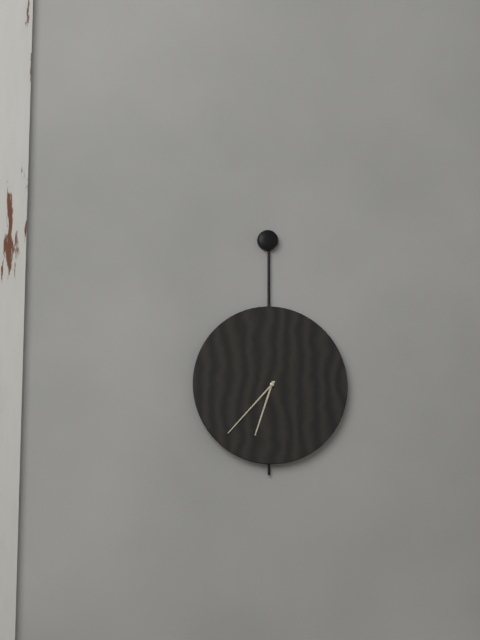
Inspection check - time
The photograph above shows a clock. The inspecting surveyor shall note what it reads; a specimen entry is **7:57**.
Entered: **6:37**
